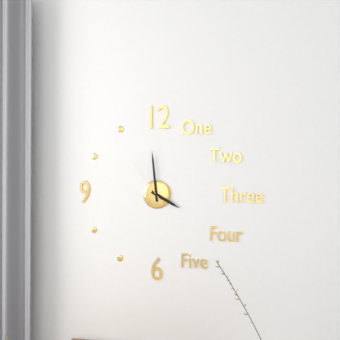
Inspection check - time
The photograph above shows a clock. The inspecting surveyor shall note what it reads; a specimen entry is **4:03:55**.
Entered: **3:59:54**
